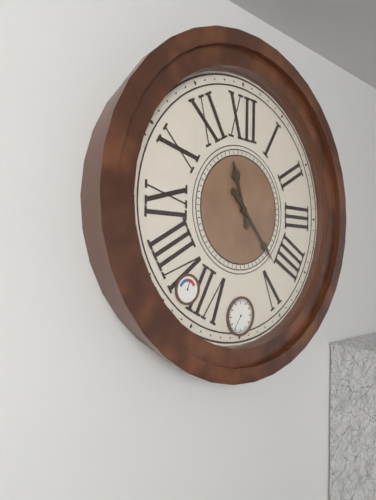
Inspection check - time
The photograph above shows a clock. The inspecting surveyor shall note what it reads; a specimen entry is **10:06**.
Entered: **11:23**
